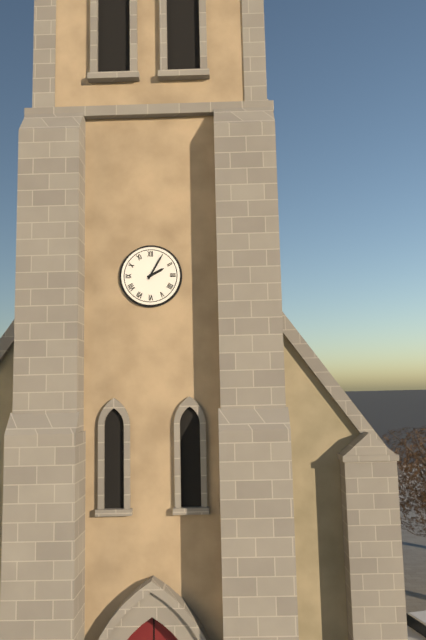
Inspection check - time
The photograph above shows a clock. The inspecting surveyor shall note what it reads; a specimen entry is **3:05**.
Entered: **2:05**
